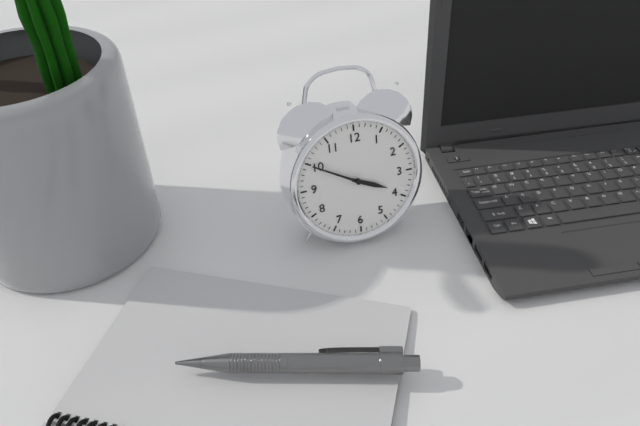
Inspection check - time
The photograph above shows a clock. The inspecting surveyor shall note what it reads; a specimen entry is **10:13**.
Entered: **3:50**
